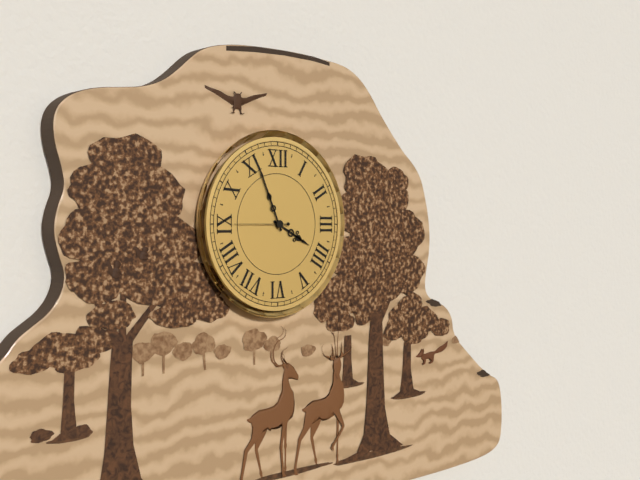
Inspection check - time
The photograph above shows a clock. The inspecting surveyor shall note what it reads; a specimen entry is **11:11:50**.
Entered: **3:56:45**
